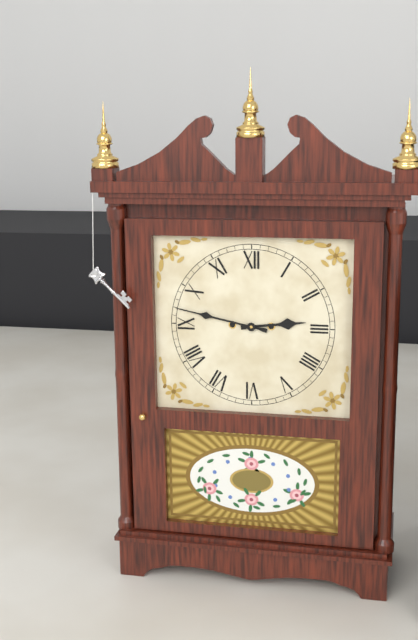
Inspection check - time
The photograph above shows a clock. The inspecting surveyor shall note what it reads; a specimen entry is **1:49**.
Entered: **2:47**
